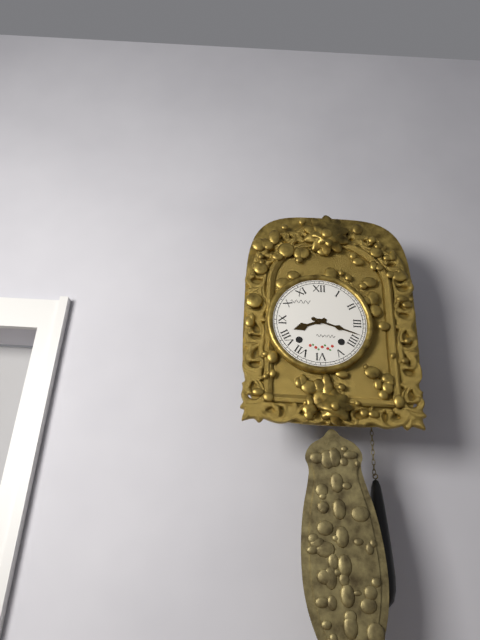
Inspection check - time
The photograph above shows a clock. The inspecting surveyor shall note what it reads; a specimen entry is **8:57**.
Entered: **8:18**
